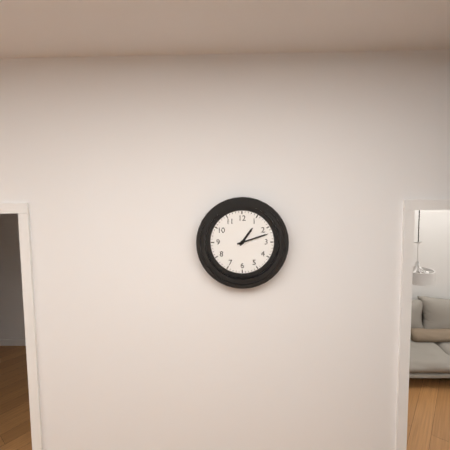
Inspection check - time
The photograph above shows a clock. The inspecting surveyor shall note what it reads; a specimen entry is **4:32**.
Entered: **1:12**
